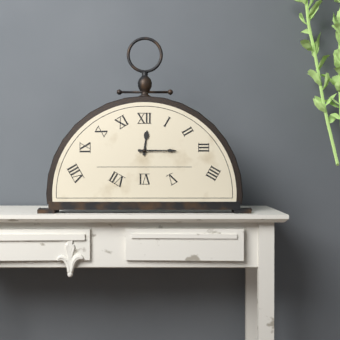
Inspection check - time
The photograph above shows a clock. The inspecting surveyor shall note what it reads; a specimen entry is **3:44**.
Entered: **12:15**
